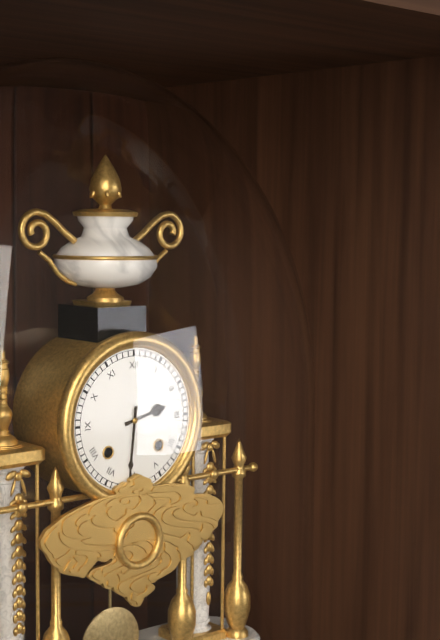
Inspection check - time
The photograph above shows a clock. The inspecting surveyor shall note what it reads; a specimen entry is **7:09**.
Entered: **2:31**
